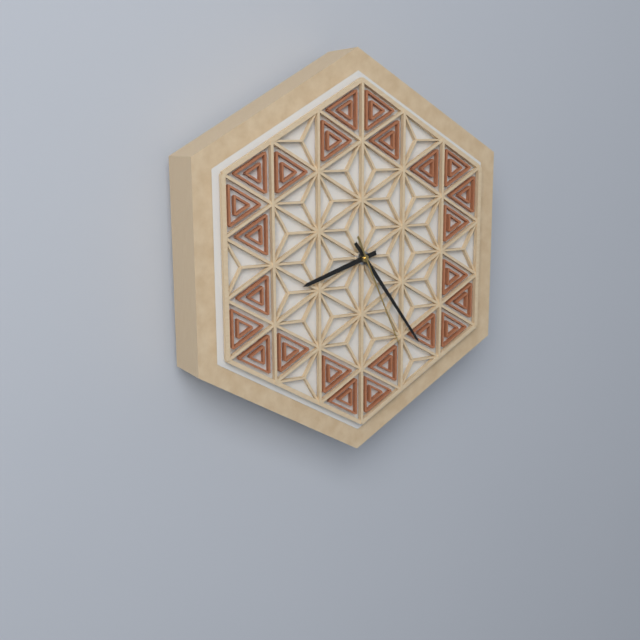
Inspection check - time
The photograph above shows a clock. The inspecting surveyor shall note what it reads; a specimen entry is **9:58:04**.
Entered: **8:24:26**
